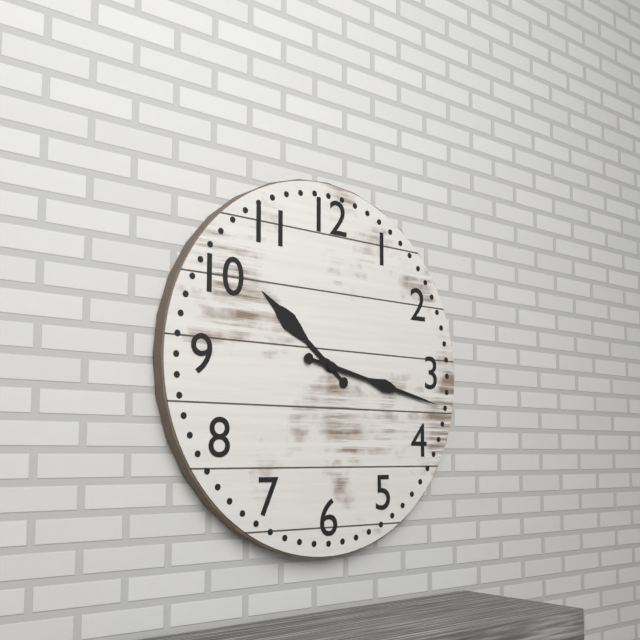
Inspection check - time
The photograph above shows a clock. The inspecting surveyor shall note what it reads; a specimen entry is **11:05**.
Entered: **10:17**
